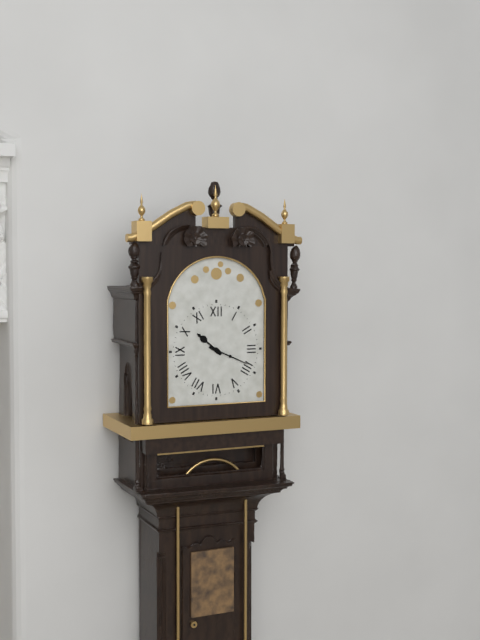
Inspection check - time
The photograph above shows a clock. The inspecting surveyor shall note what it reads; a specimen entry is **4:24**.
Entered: **10:19**
